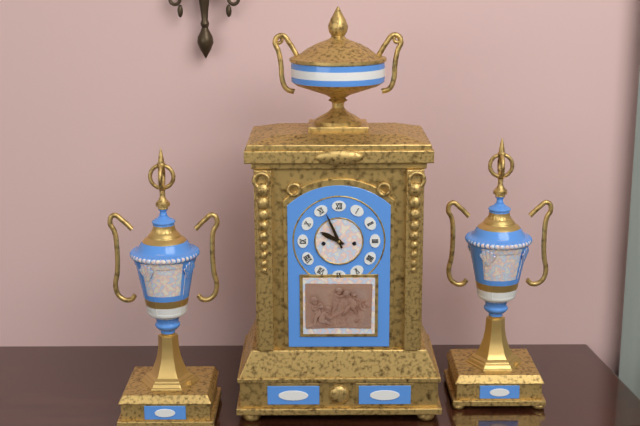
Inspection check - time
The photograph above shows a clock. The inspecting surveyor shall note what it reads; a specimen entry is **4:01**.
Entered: **9:56**
